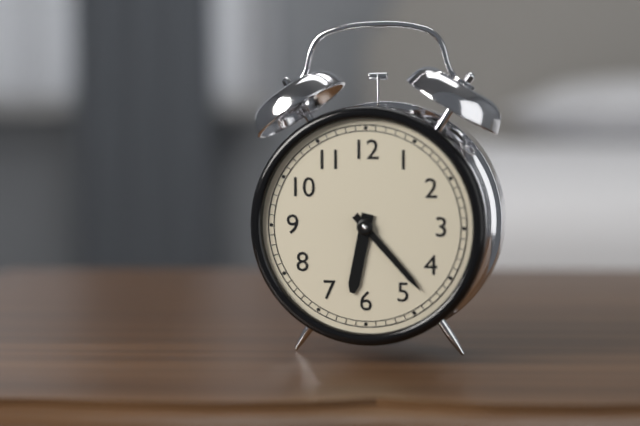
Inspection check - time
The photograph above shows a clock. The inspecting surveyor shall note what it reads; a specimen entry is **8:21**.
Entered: **6:23**
